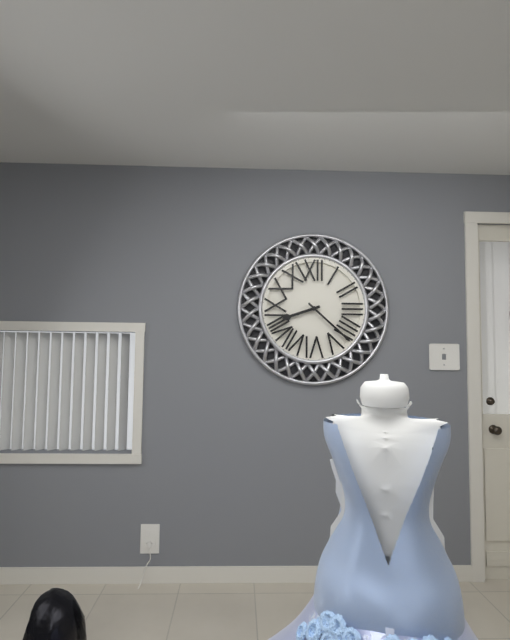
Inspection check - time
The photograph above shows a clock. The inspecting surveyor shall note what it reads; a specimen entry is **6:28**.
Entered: **8:22**
